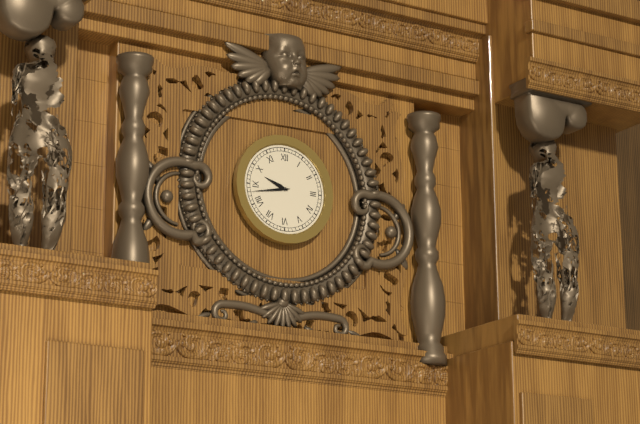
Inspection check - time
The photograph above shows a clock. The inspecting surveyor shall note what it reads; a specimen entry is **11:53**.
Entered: **9:43**
